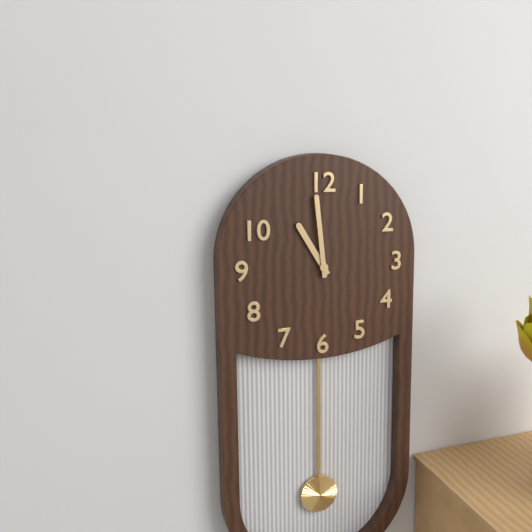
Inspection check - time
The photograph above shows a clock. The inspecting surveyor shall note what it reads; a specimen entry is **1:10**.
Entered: **10:59**
